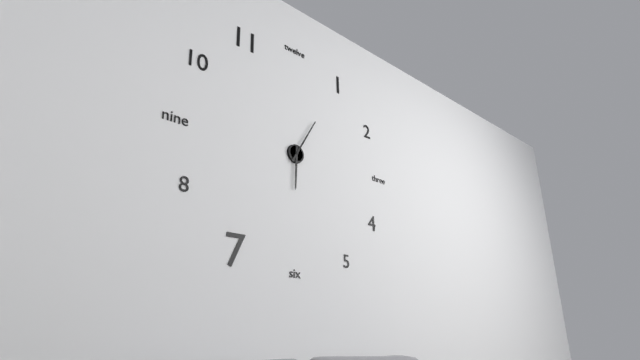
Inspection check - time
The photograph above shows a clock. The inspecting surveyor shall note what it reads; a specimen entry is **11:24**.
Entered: **6:05**
